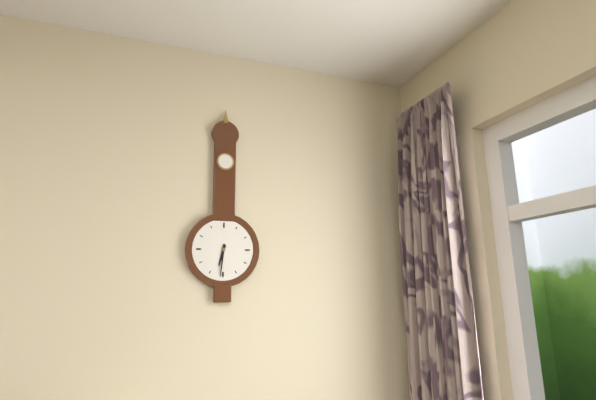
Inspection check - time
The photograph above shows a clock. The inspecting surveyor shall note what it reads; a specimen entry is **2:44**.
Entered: **6:31**
